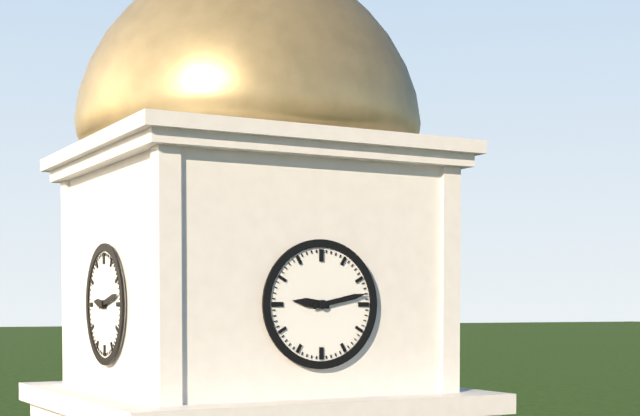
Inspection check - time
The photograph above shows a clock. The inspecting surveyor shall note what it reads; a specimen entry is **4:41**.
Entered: **9:13**
